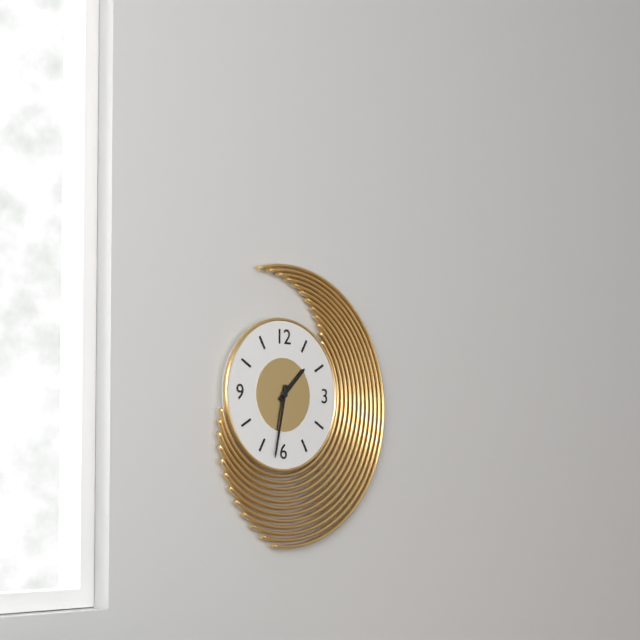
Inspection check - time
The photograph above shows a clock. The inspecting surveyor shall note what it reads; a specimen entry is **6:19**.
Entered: **1:32**
